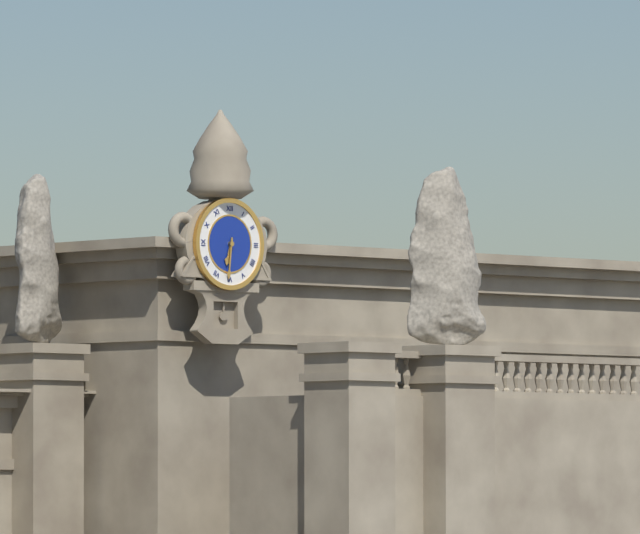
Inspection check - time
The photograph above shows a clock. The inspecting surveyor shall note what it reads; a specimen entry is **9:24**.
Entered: **6:31**
